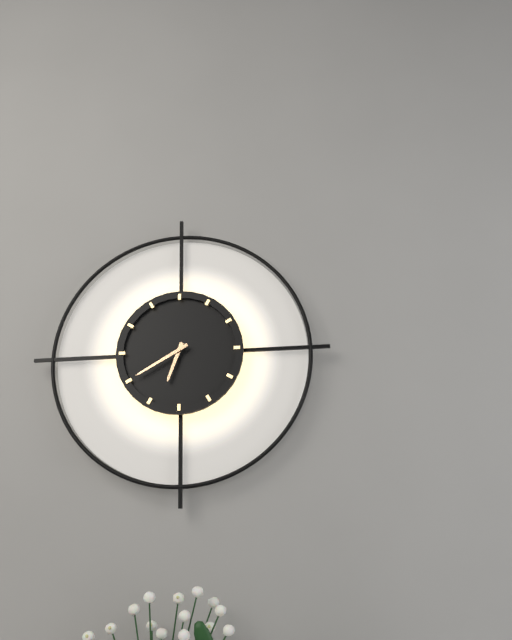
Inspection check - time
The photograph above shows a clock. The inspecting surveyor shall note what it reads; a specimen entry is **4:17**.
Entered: **6:40**
